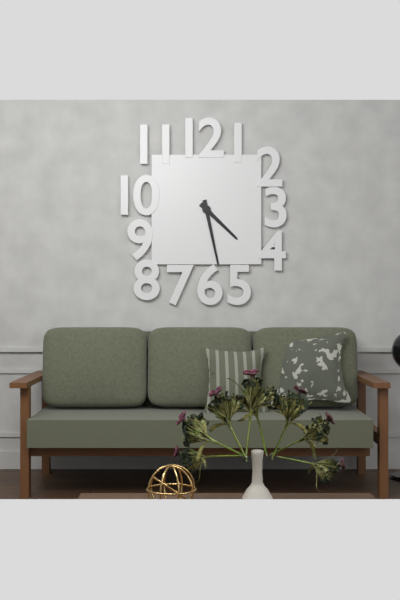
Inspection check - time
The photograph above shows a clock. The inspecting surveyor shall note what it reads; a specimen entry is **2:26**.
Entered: **4:28**
